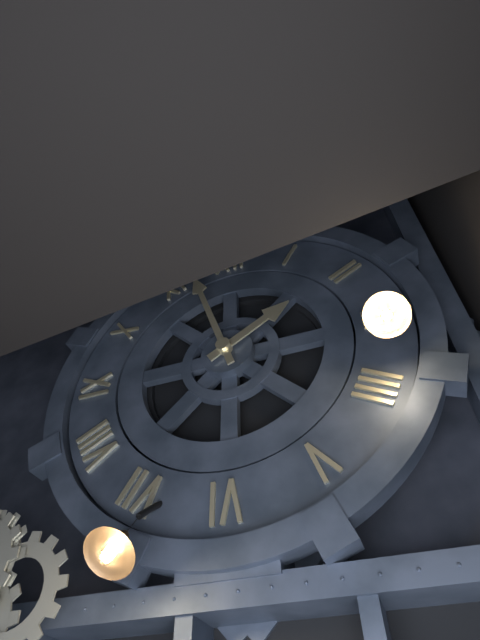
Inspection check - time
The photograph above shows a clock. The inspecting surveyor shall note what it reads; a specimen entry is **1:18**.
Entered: **1:57**
